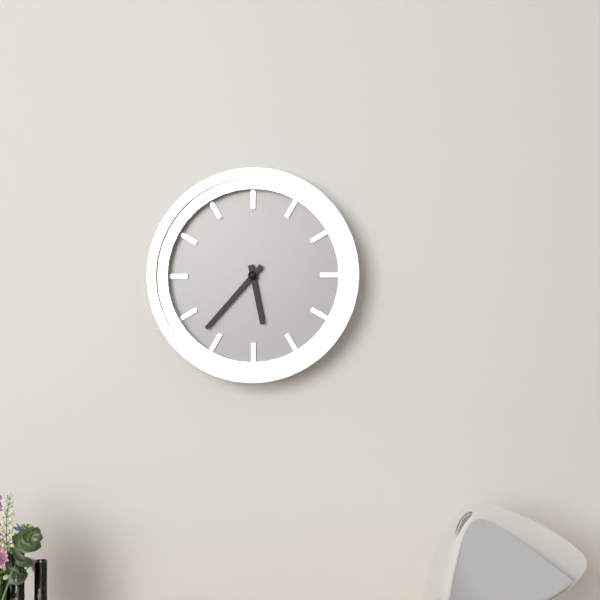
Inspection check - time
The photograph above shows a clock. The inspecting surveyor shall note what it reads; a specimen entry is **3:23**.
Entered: **5:37**
